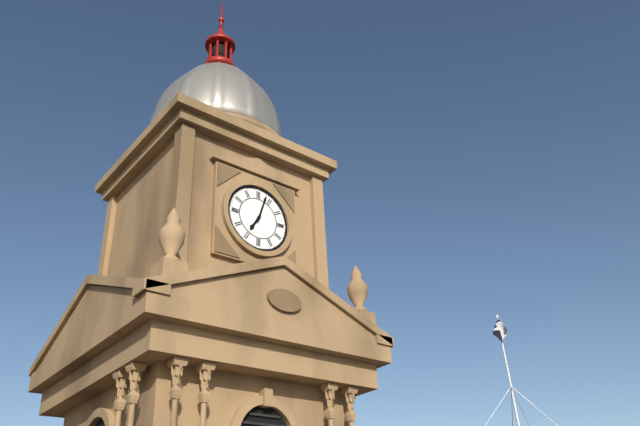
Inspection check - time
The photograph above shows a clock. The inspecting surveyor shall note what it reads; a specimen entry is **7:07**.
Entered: **7:03**
